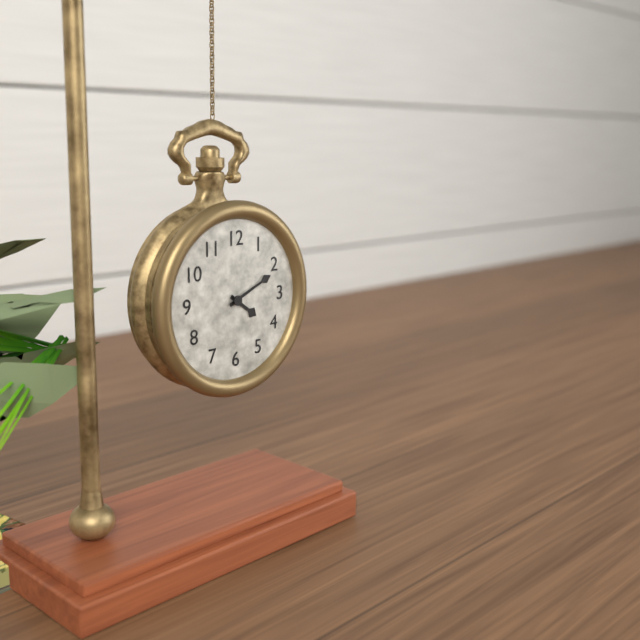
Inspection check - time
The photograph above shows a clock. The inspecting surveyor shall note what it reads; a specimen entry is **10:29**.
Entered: **4:11**
